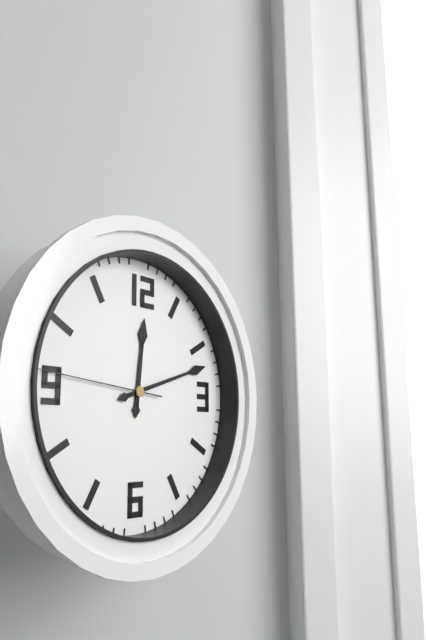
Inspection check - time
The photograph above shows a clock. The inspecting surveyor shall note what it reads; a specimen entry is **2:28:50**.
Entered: **12:12:46**
